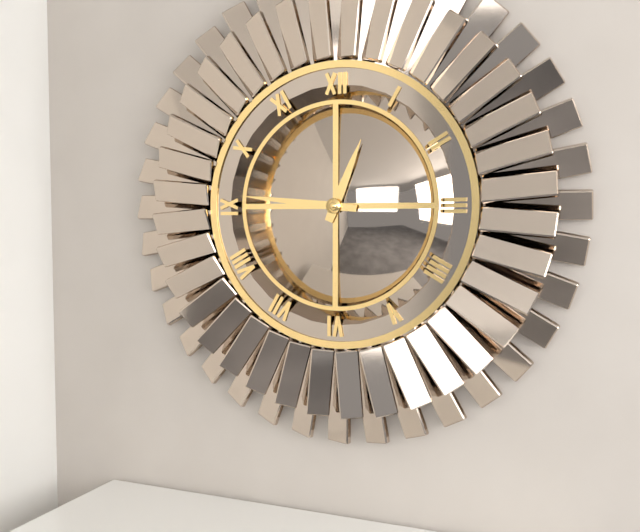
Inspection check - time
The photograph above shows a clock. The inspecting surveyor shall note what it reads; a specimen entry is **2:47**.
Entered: **12:46**
